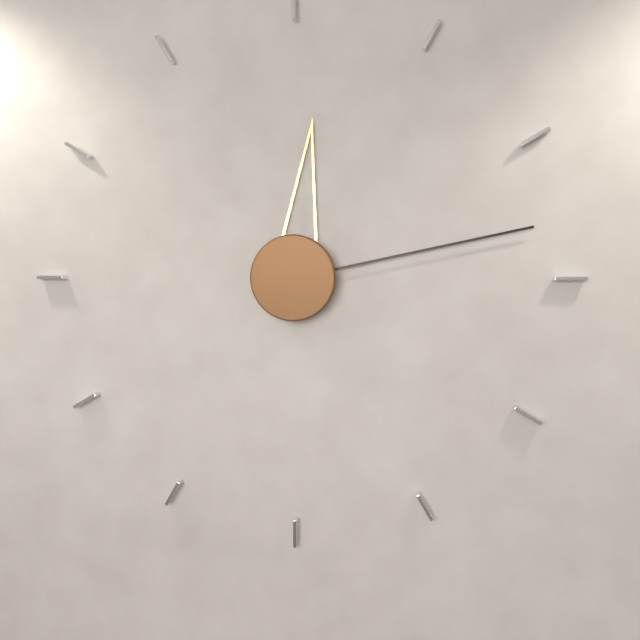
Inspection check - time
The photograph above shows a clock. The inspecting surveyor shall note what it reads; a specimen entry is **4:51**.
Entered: **12:13**
